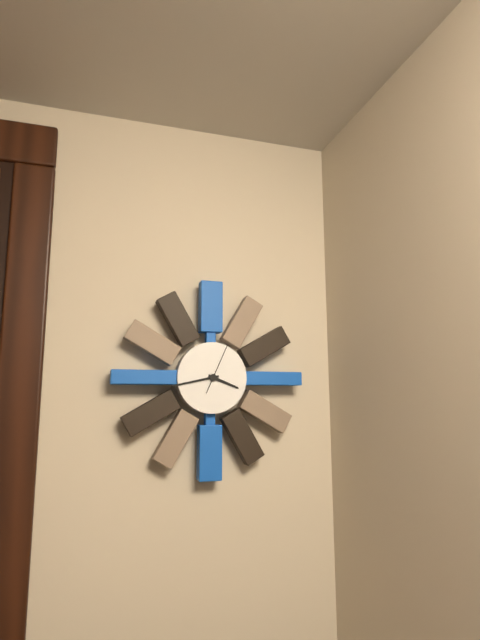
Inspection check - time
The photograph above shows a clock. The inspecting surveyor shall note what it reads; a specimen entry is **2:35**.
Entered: **3:43**
